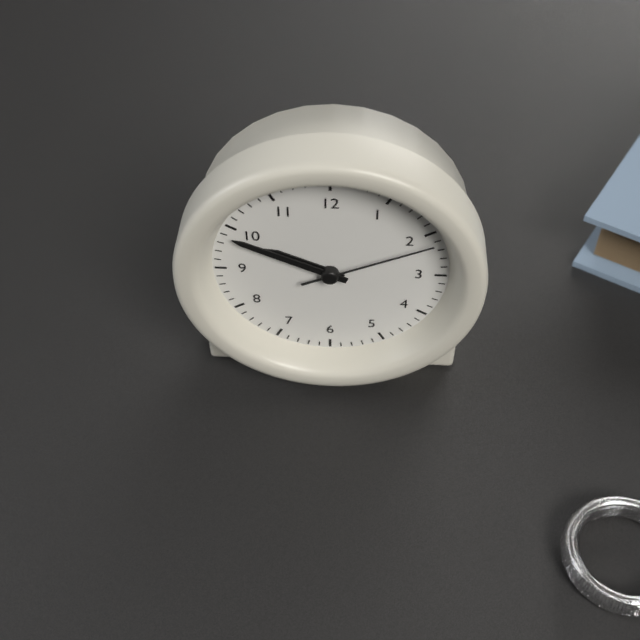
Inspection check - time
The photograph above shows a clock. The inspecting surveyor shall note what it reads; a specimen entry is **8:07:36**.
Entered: **9:49:11**
